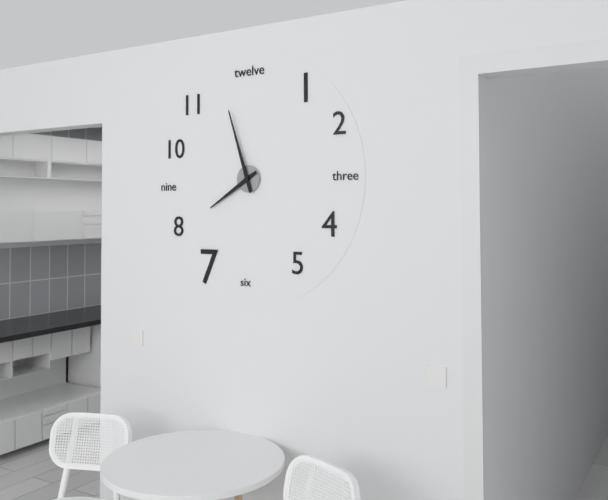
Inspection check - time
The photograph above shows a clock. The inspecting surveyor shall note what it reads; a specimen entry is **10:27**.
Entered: **7:57**
